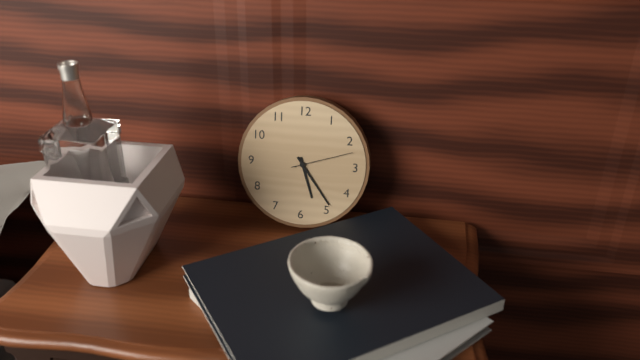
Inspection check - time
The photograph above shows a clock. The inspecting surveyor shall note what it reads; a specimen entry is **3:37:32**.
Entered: **5:24:12**
